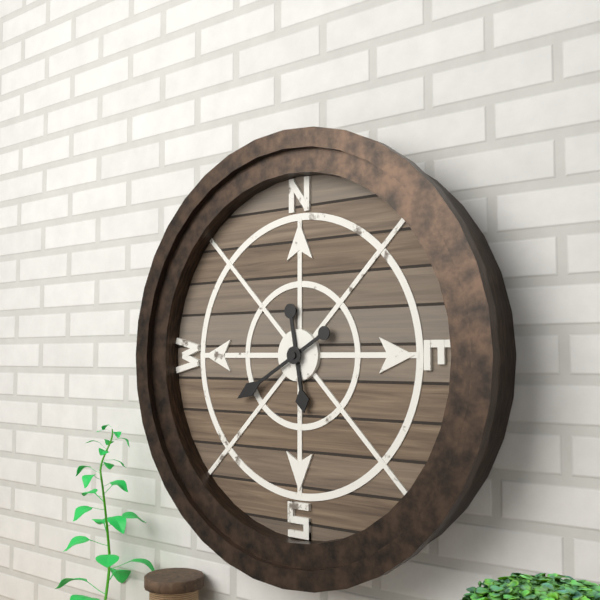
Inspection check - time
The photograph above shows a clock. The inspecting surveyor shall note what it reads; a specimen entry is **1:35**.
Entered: **5:40**
